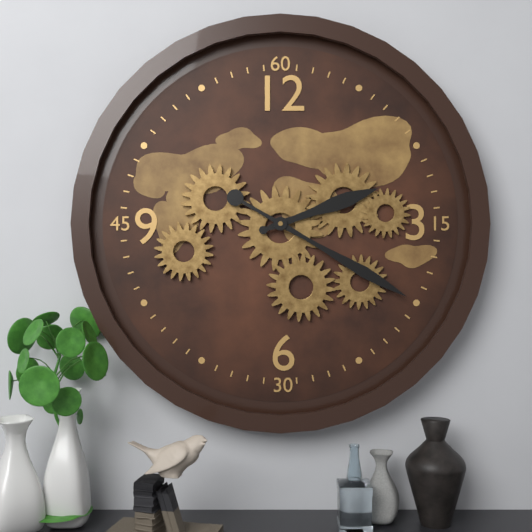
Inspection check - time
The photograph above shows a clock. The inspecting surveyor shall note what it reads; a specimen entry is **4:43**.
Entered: **2:20**
